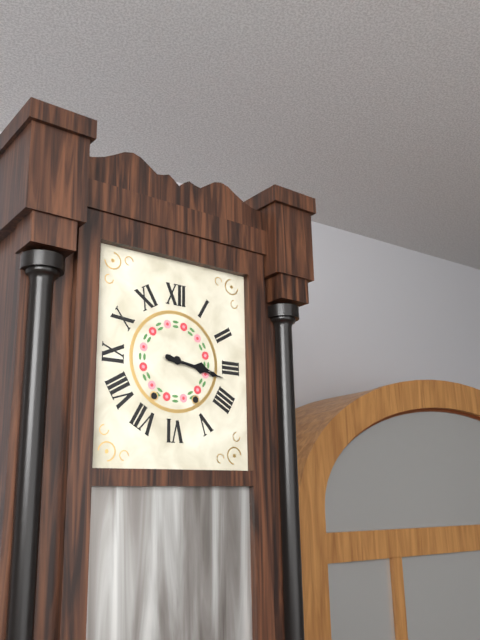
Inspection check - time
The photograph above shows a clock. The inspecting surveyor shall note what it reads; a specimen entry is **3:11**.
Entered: **3:17**
